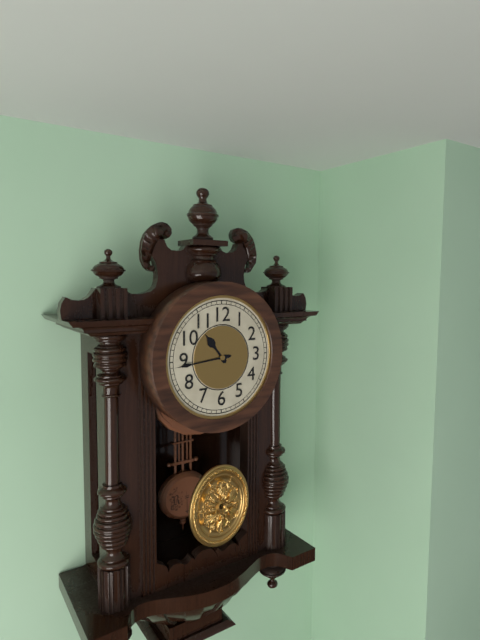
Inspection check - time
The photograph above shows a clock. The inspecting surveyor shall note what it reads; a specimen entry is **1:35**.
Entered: **10:44**
